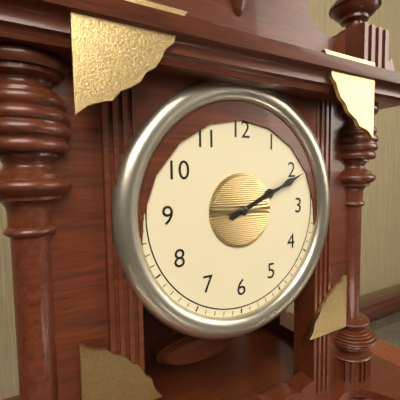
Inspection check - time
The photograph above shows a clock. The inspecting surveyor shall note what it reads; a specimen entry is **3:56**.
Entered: **2:11**
